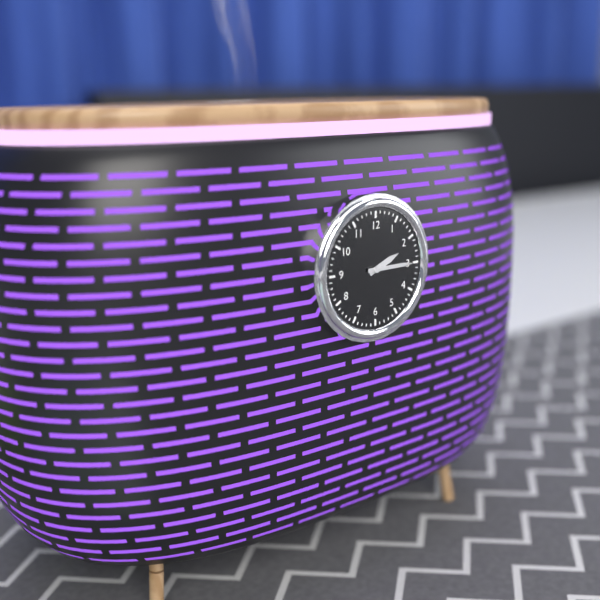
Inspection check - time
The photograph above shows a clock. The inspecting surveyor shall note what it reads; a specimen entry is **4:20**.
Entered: **2:15**
